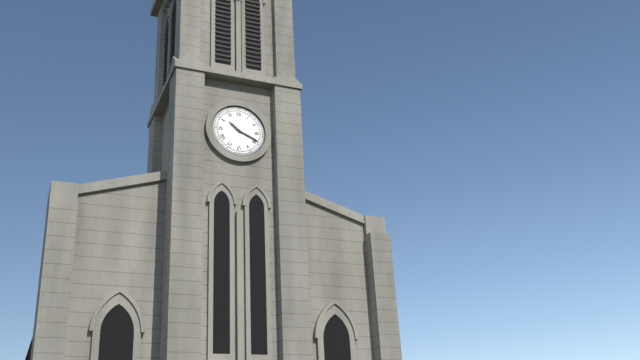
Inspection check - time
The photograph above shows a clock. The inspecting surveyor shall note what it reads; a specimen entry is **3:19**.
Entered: **10:19**
